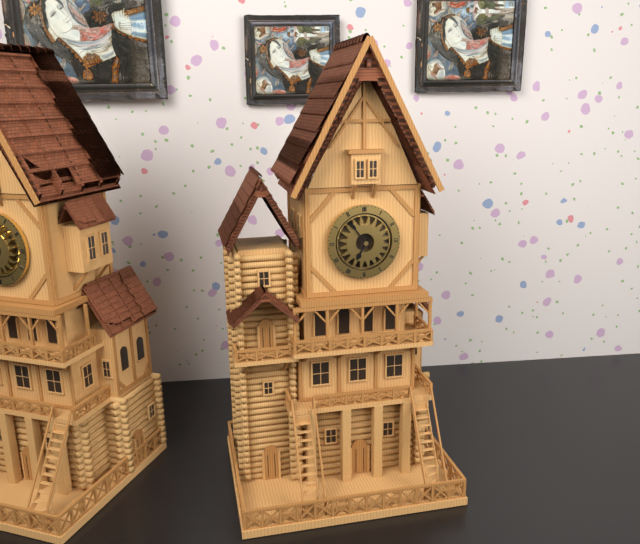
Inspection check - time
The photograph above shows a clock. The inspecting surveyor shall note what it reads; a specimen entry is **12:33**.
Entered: **6:54**
